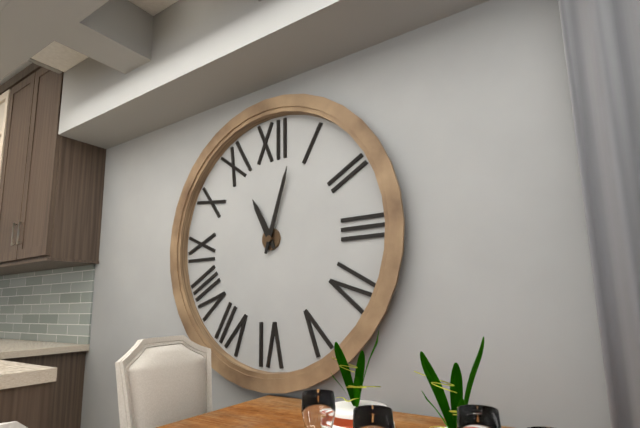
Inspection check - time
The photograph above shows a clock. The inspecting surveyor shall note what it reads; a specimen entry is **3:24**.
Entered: **11:03**
